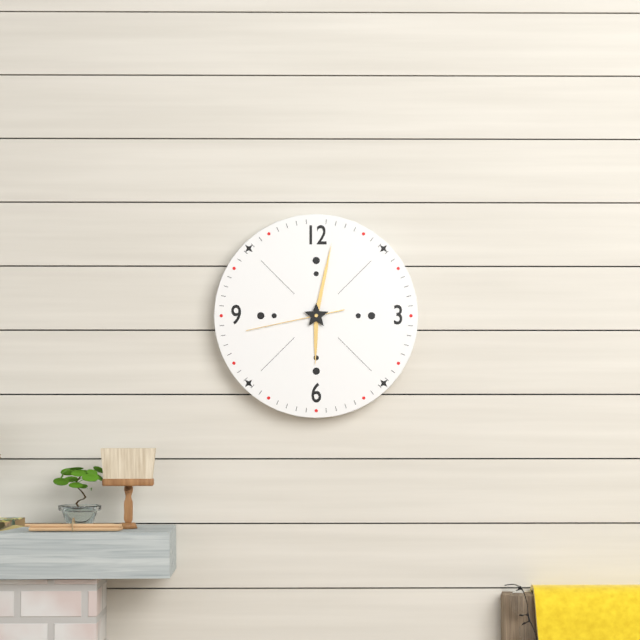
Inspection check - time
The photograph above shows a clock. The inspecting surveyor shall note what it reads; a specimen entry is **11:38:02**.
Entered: **6:02:43**
